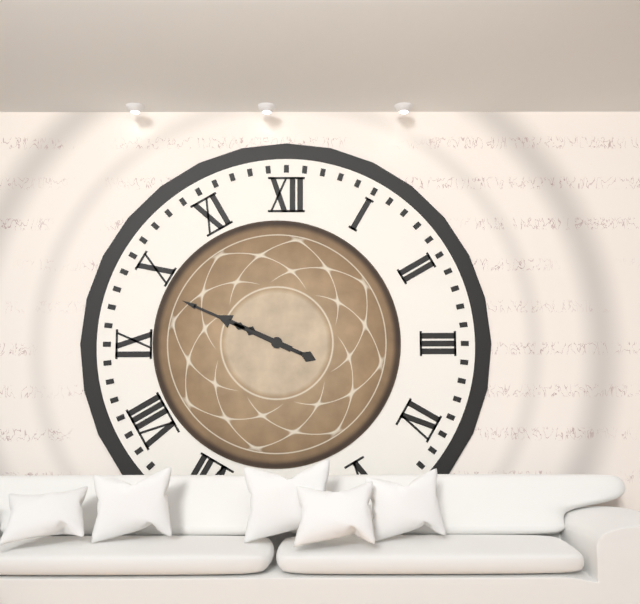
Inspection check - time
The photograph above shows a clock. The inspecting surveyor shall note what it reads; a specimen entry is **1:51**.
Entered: **9:49**
